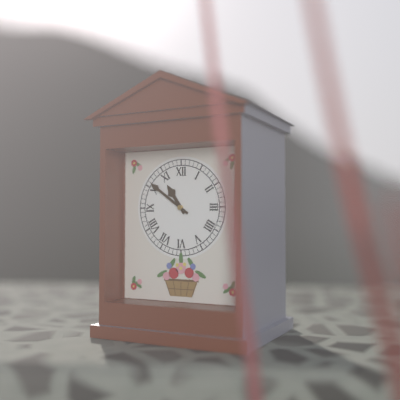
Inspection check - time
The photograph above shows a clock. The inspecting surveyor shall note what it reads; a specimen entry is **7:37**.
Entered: **10:51**
